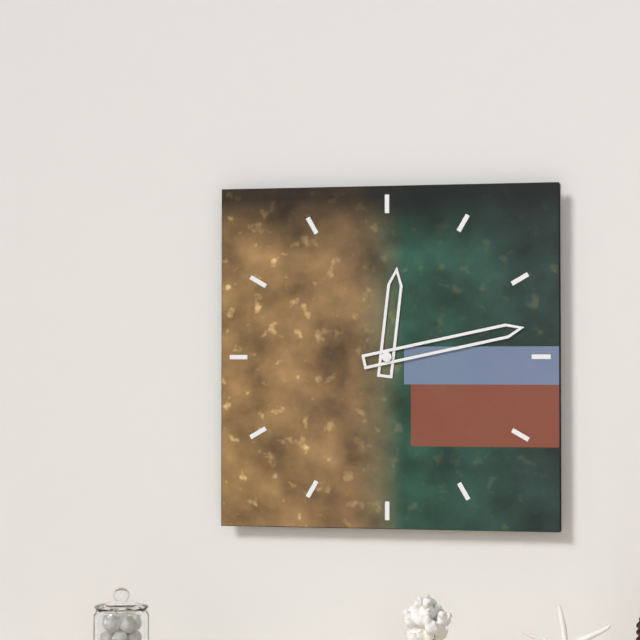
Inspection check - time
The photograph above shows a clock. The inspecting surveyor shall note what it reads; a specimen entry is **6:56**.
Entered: **12:13**
